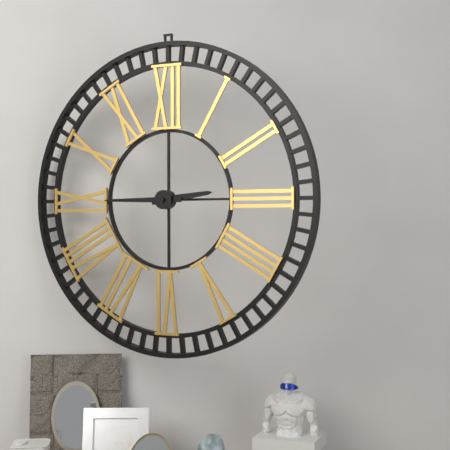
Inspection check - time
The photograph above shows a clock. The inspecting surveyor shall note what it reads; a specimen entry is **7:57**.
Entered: **2:45**
